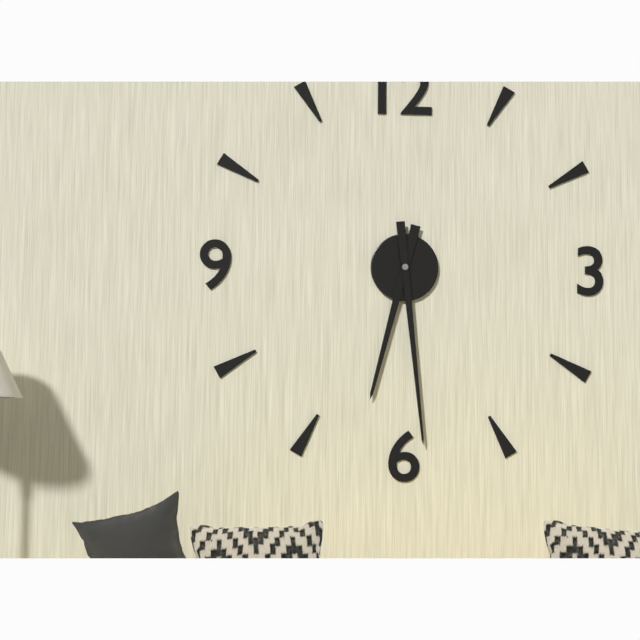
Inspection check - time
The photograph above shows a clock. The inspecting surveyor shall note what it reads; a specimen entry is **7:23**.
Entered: **6:29**
